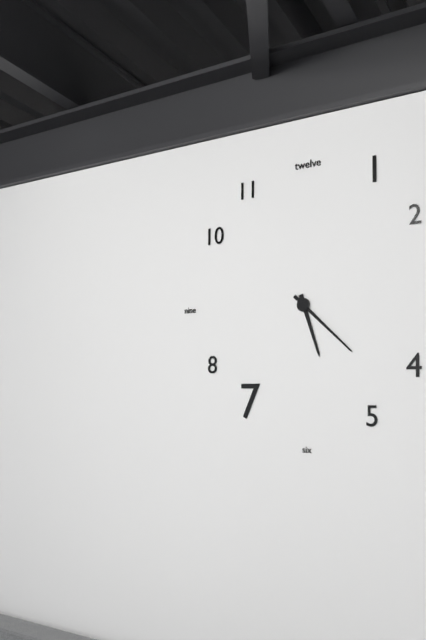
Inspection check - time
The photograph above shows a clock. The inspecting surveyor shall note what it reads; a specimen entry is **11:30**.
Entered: **5:22**
